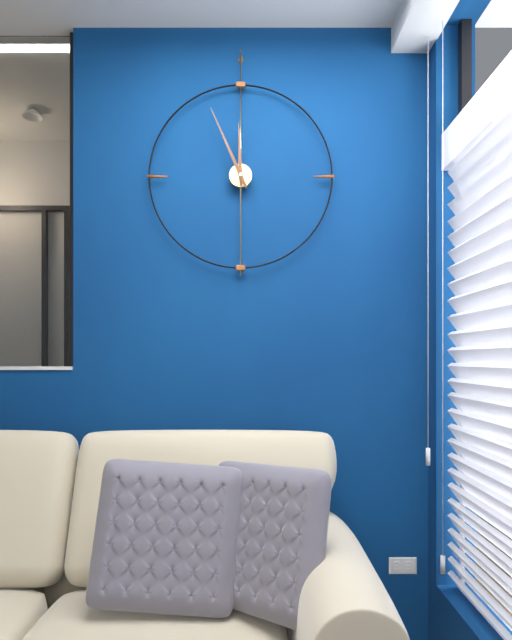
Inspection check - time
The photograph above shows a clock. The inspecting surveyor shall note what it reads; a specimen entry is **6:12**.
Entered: **11:56**
